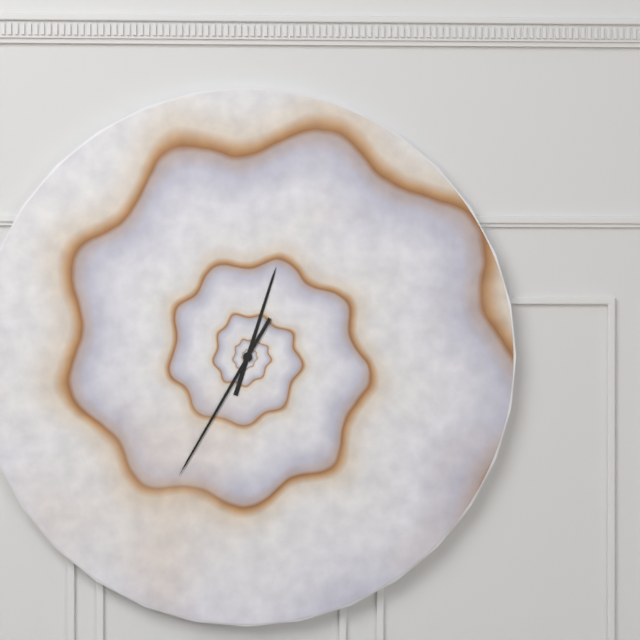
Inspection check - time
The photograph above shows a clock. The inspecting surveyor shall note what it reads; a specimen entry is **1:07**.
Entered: **12:35**
